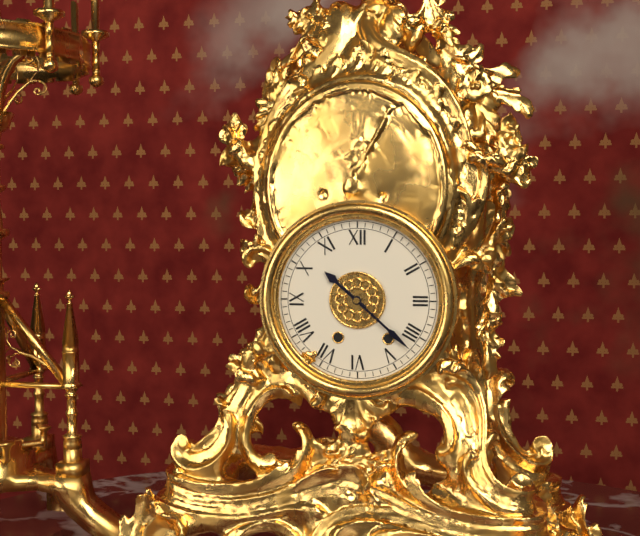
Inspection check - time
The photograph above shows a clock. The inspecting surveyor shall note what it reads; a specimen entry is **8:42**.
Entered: **10:22**
